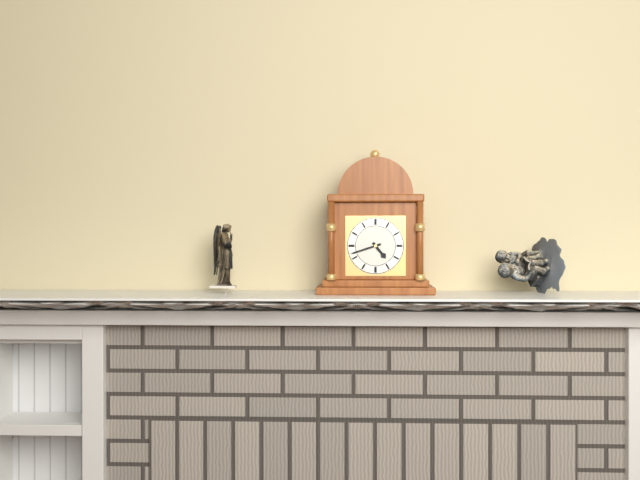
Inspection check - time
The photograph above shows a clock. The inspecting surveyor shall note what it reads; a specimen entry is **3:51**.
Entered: **4:42**
